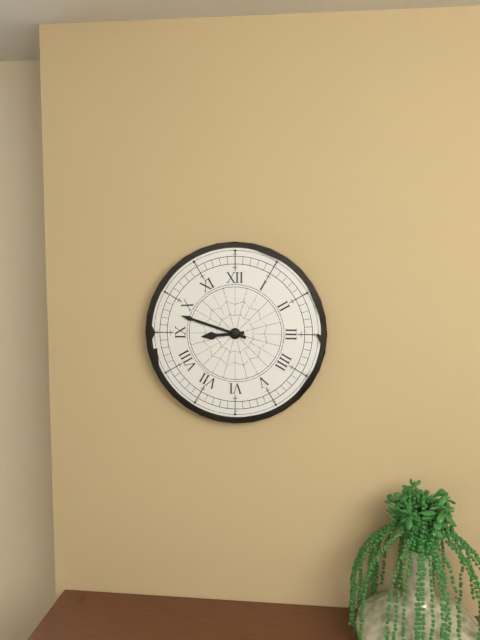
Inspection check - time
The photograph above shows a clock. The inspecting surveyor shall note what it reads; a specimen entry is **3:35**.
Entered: **8:48**
